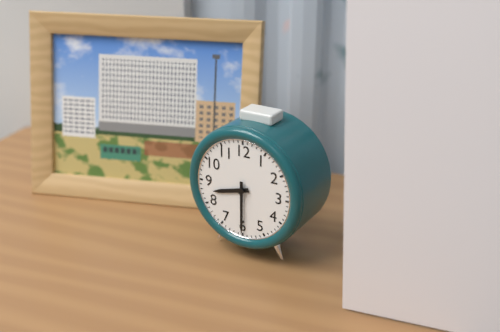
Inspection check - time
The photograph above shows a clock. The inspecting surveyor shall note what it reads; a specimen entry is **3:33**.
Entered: **8:30**
